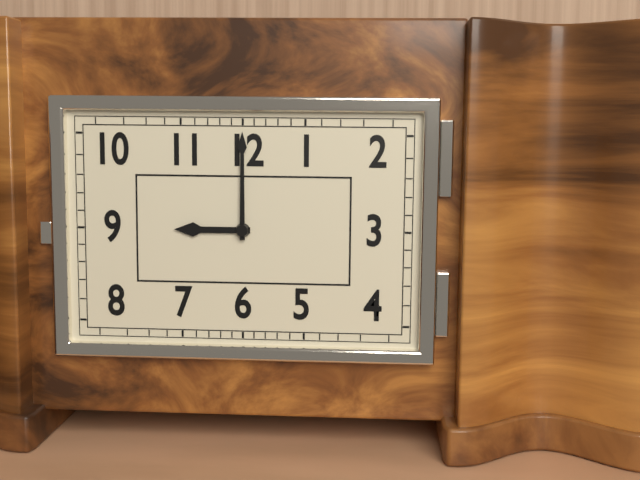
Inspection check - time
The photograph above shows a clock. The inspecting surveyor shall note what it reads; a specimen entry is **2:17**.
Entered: **9:00**
